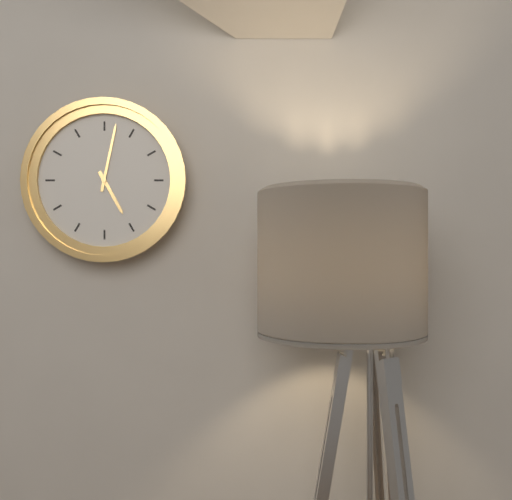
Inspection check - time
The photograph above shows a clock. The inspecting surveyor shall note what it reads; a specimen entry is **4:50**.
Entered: **5:02**
